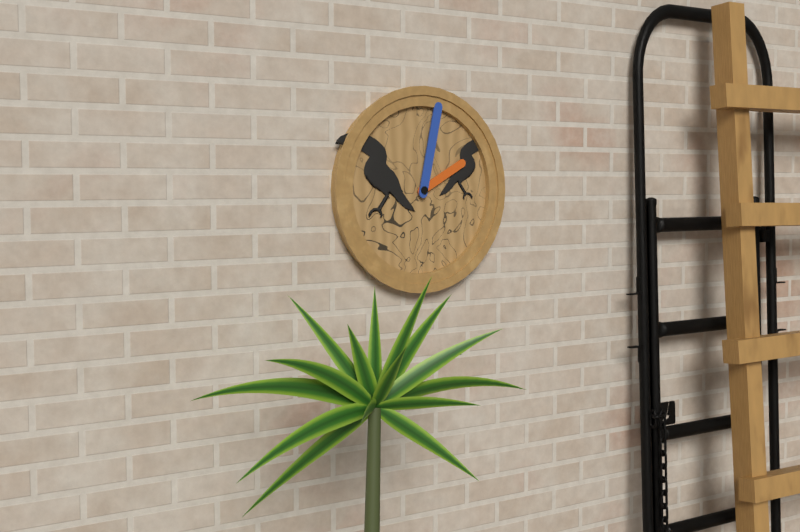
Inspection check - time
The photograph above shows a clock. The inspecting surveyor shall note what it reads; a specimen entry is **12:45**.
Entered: **2:02**
